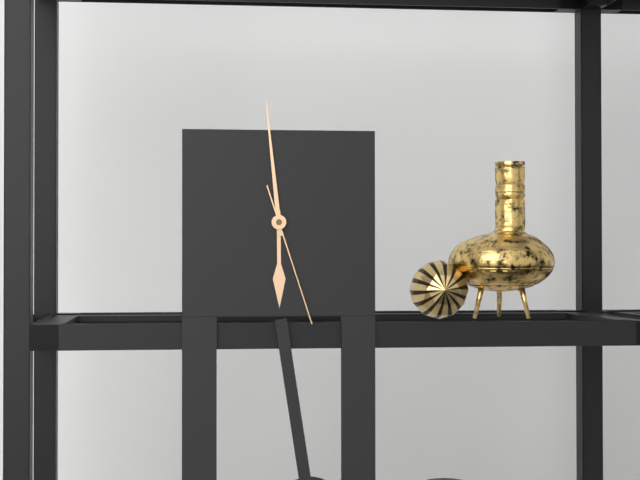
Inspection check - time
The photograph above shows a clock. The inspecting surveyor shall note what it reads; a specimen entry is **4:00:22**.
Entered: **5:59:27**
